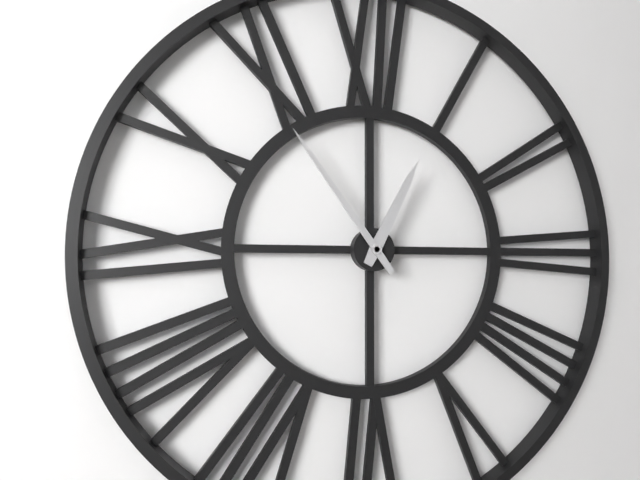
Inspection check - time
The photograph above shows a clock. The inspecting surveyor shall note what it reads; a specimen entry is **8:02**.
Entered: **12:54**
